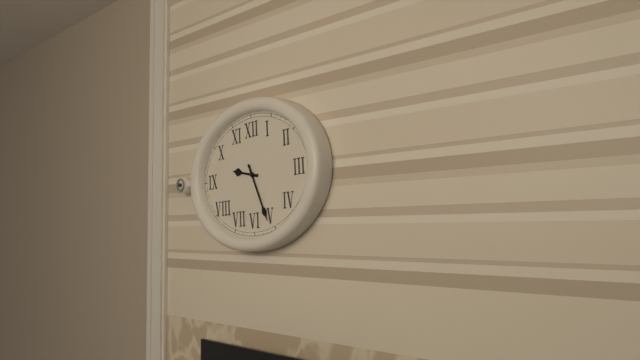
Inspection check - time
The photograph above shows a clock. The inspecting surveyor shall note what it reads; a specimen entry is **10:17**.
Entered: **9:26**
